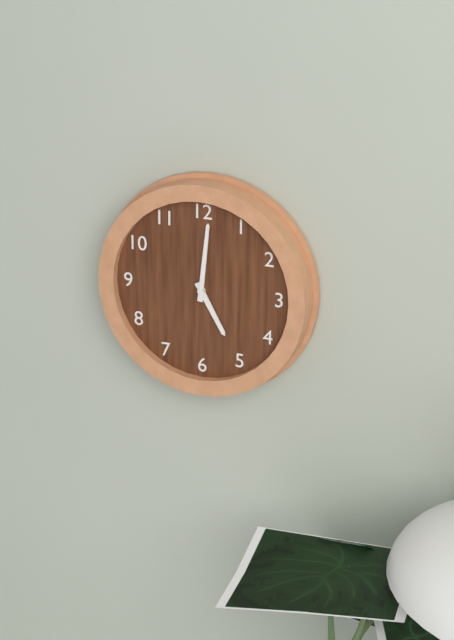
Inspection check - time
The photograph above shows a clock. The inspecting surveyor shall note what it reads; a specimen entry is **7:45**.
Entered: **5:01**
